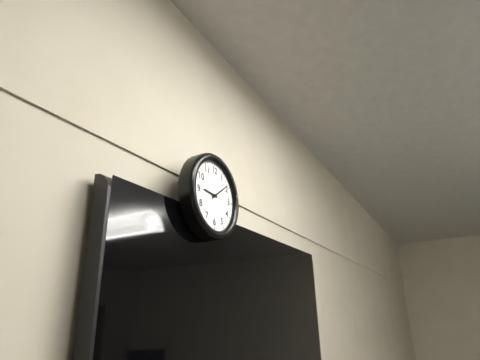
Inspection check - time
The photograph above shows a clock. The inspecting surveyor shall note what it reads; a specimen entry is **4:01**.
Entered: **9:09**
